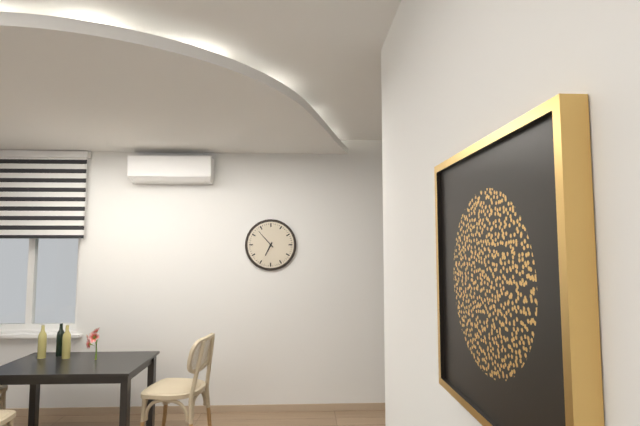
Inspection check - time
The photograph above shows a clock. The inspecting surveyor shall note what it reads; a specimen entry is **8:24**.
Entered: **6:53**
